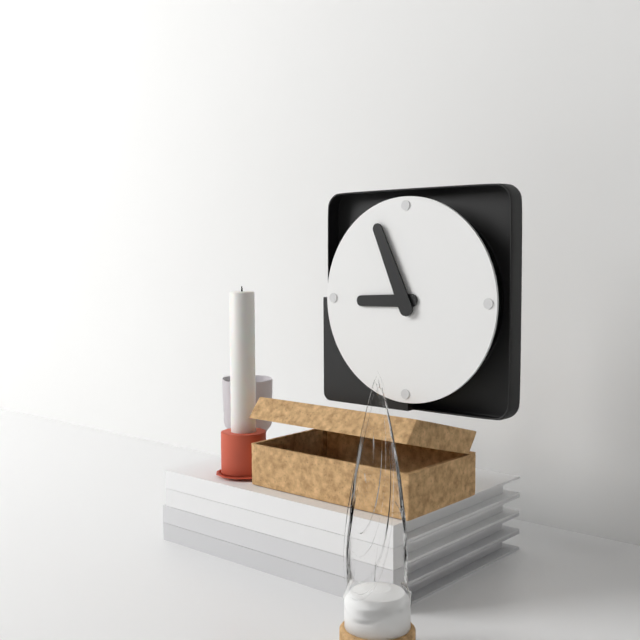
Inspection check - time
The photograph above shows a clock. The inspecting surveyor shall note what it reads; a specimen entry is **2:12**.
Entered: **8:56**
